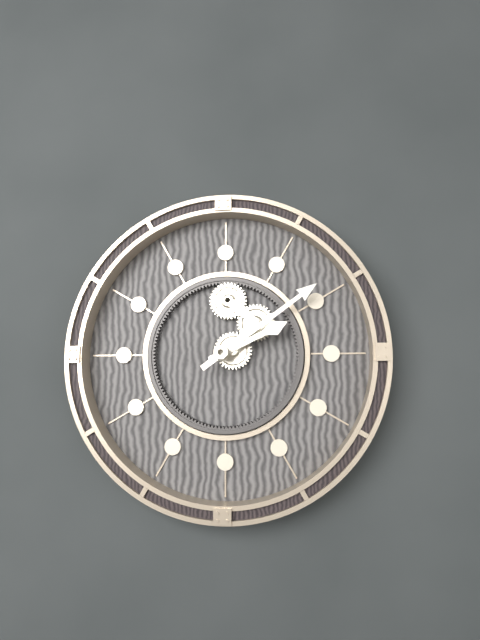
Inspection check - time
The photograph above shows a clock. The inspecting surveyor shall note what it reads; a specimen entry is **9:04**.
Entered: **2:09**
